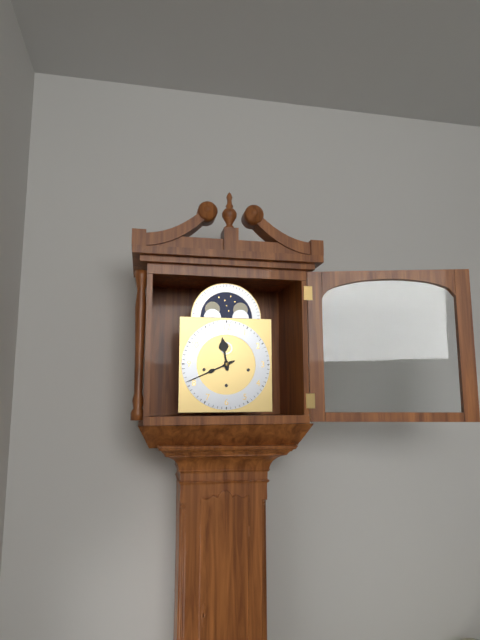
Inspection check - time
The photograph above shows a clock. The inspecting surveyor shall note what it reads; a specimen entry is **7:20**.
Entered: **11:41**
